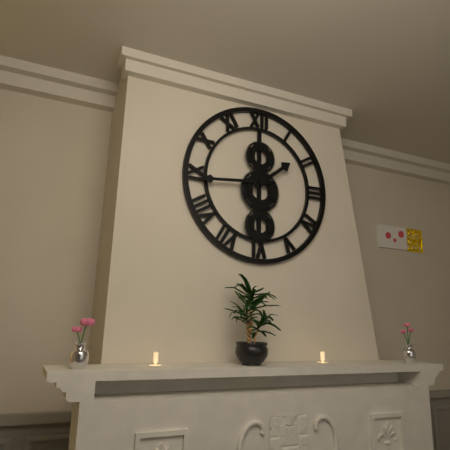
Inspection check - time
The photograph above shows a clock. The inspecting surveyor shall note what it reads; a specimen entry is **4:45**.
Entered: **1:44**
